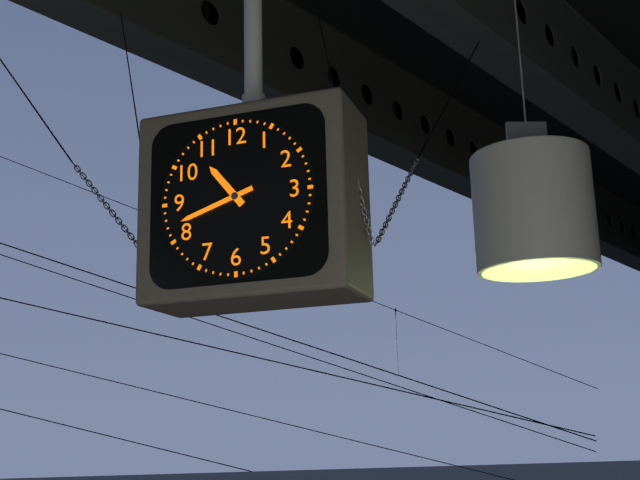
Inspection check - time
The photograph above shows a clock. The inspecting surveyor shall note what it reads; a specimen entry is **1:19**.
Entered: **10:42**
